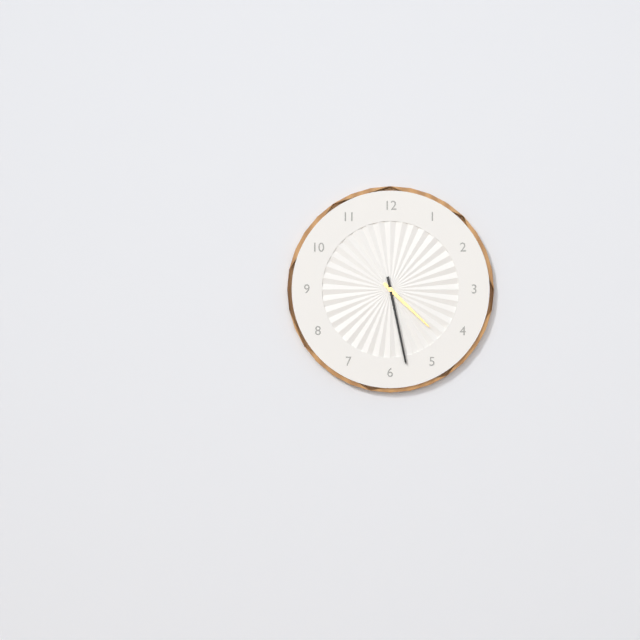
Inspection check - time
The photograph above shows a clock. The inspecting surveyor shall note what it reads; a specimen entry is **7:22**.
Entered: **4:28**
